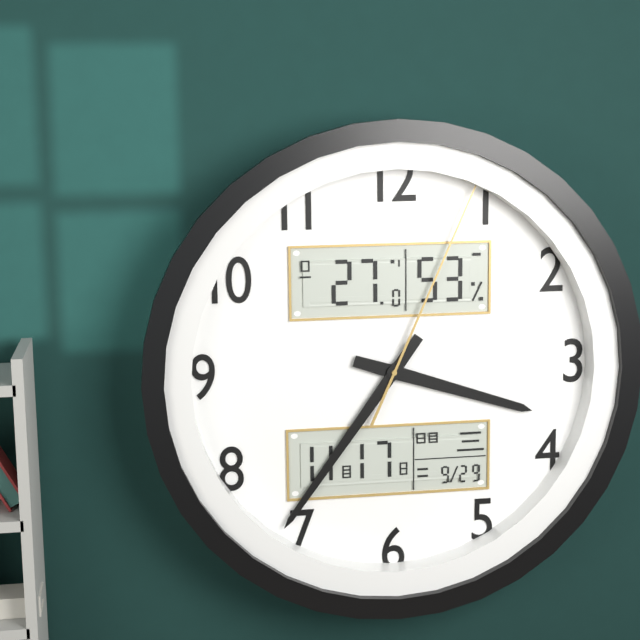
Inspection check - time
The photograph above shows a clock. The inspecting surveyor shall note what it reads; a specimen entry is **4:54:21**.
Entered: **3:36:04**
